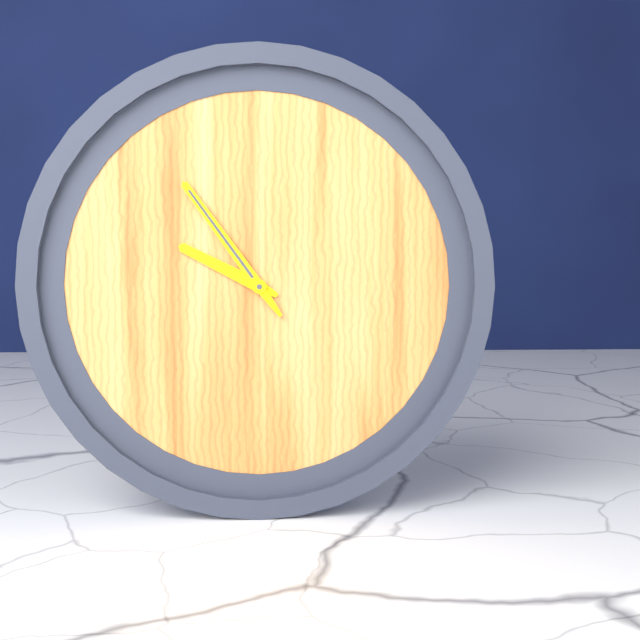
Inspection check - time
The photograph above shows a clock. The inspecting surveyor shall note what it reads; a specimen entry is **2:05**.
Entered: **9:54**
